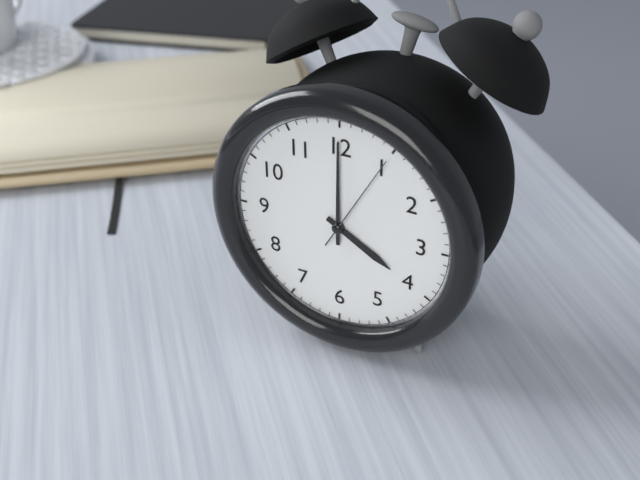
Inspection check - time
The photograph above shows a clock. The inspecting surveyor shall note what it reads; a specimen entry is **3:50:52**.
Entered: **4:00:05**
